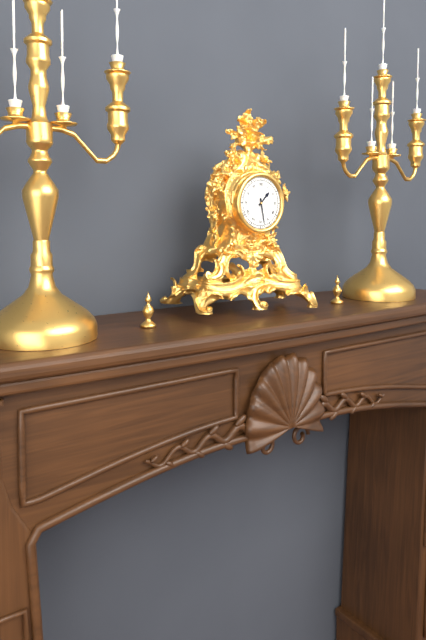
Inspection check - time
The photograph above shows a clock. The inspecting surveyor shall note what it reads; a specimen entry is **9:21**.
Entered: **1:28**
